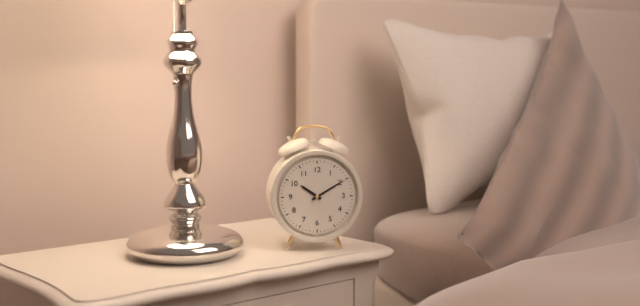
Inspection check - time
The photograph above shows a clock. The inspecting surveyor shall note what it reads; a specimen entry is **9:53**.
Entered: **10:10**
